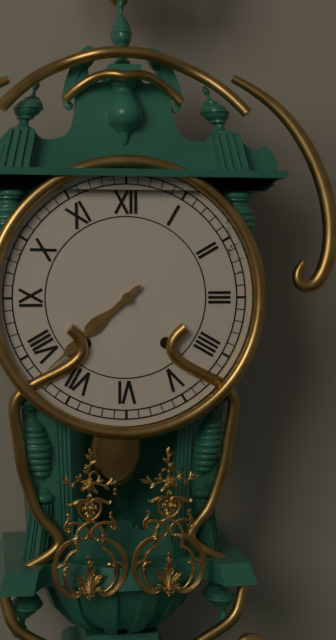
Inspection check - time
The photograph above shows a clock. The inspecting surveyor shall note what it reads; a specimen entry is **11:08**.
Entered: **7:38**
